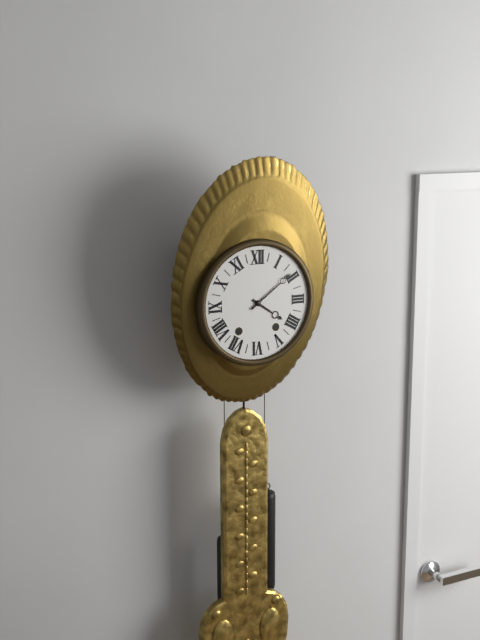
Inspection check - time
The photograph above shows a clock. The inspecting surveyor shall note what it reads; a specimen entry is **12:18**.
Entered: **4:09**
